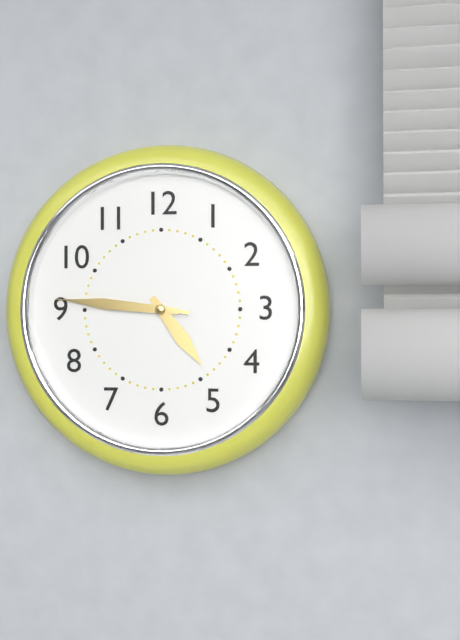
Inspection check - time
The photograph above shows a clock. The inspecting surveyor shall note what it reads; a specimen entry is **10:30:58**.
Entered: **4:46:46**
